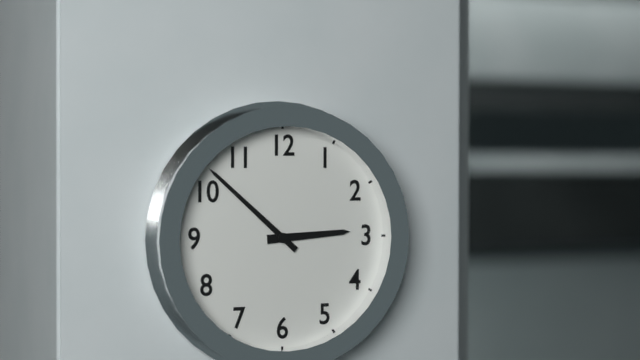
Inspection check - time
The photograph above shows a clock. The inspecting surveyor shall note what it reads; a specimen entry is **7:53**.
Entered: **2:52**
